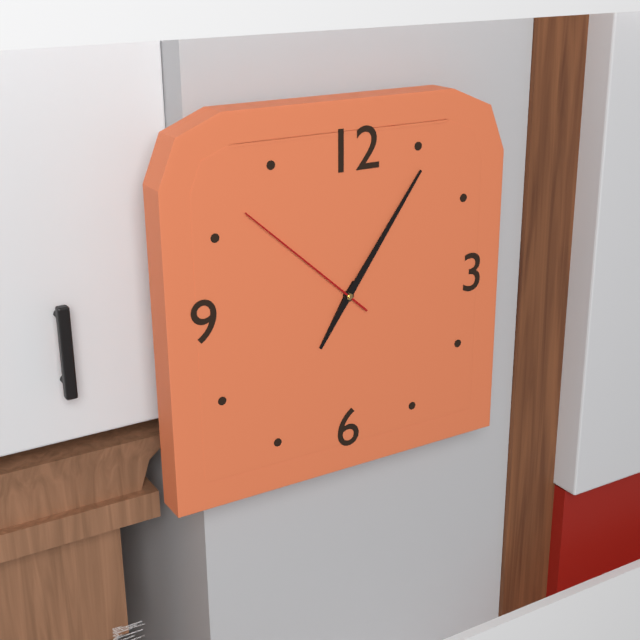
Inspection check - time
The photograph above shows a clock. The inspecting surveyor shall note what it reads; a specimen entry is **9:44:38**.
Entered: **7:06:52**
